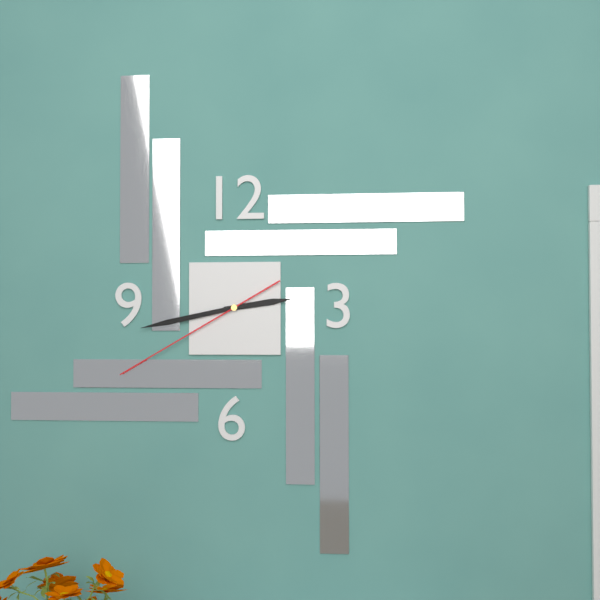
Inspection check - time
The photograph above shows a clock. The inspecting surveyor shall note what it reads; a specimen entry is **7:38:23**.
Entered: **2:43:40**
